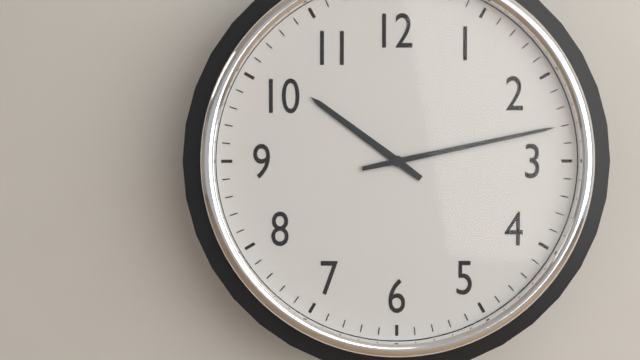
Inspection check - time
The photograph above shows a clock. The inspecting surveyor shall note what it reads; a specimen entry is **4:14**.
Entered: **10:13**
